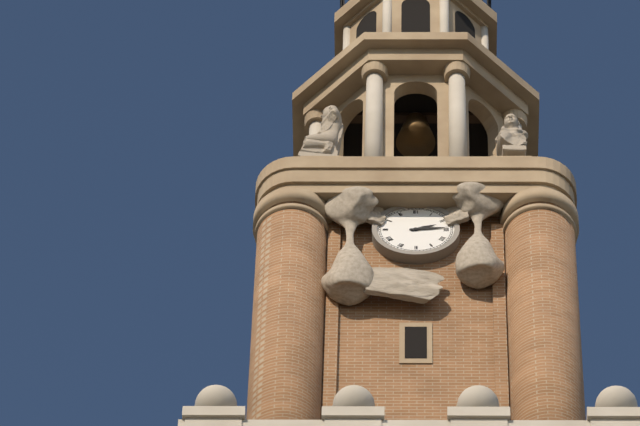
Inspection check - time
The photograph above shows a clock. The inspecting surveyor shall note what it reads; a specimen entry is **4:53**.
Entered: **2:14**
